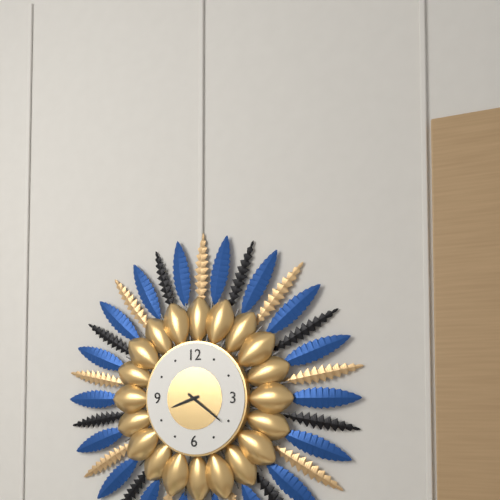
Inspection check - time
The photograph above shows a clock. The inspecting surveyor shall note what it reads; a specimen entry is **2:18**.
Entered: **8:21**
